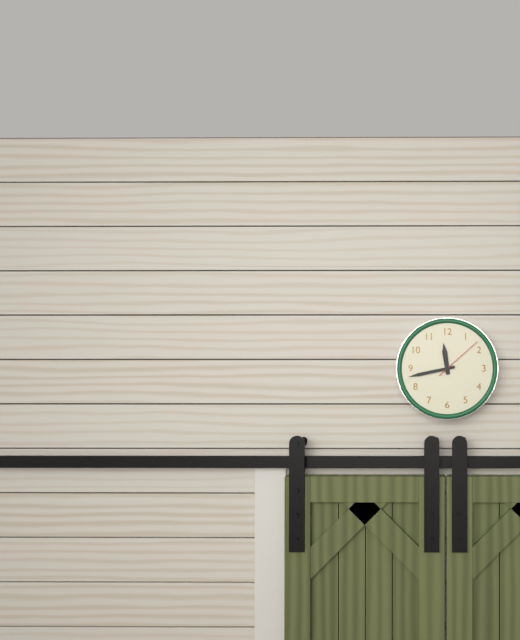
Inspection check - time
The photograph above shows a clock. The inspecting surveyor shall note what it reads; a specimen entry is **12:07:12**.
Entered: **11:43:08**
